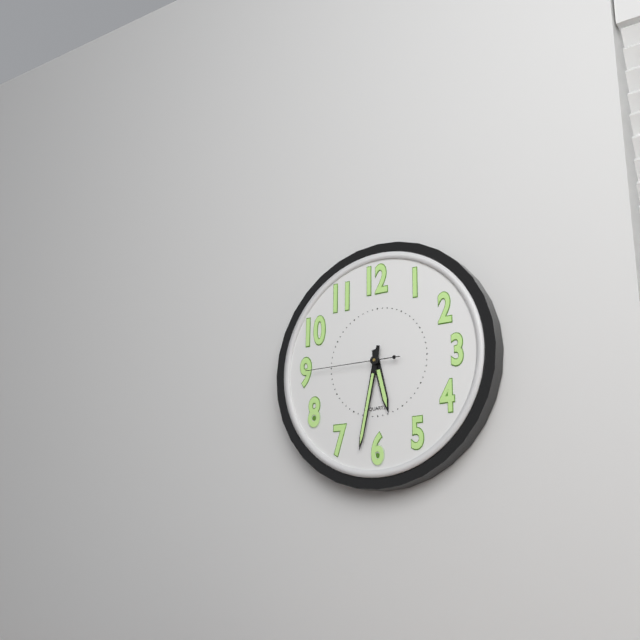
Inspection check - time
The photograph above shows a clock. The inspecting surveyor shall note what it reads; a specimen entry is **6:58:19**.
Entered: **5:32:45**
